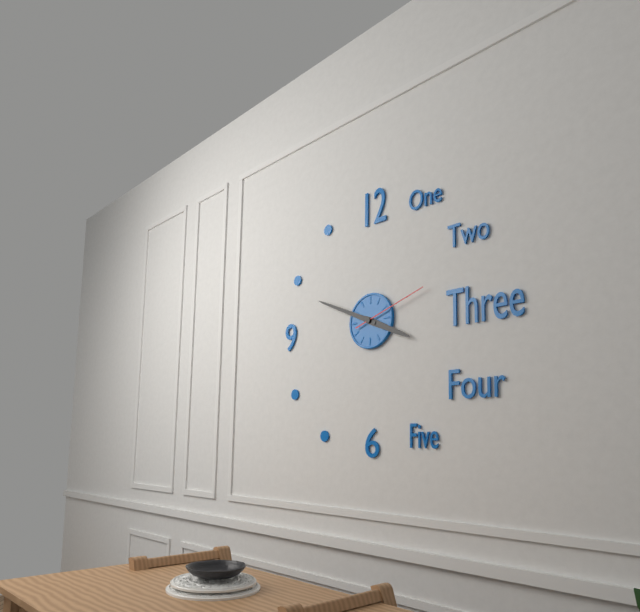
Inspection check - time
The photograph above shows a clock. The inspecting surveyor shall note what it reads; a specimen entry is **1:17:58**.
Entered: **3:49:12**
